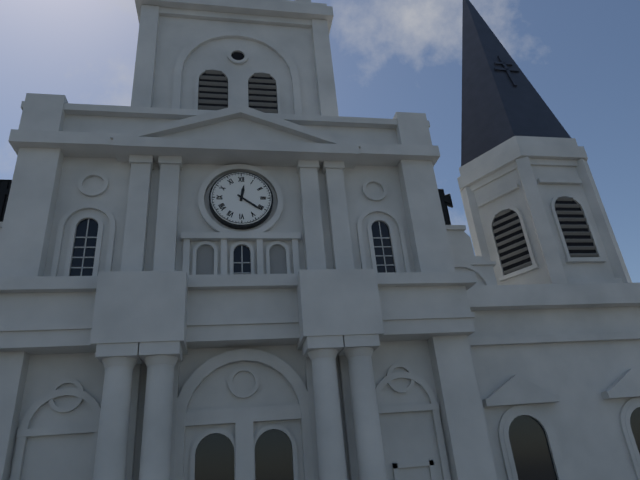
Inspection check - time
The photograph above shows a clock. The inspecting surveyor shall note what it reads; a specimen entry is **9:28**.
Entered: **12:21**
